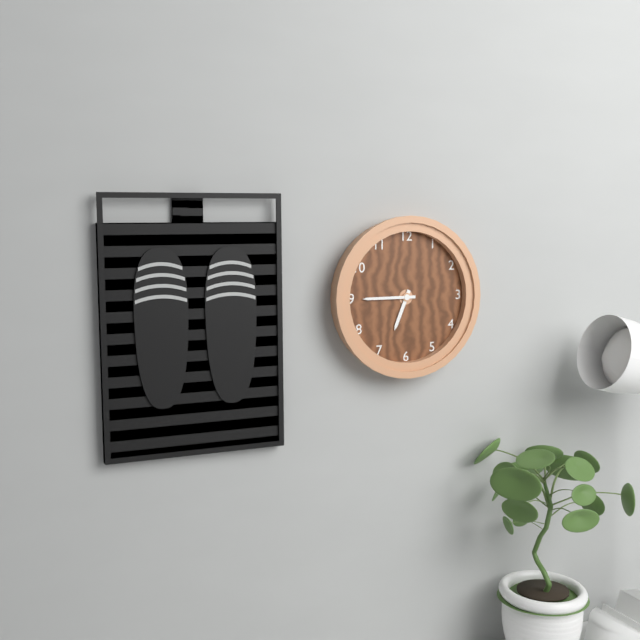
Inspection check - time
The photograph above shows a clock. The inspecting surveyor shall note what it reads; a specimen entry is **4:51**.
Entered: **6:45**
